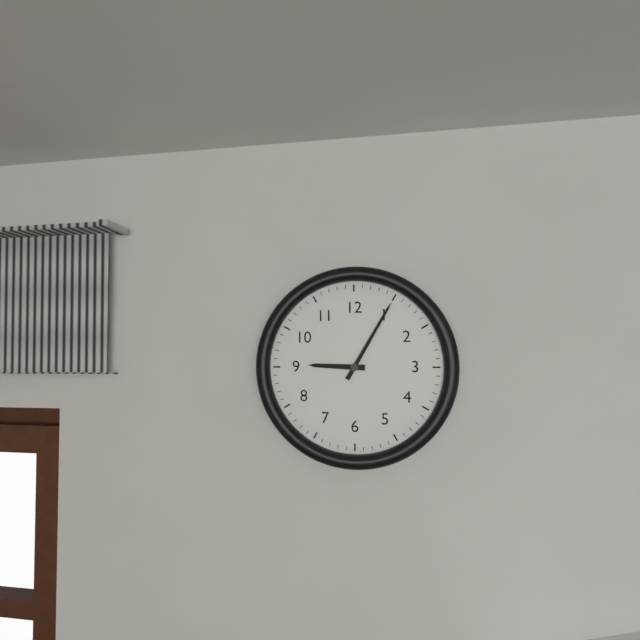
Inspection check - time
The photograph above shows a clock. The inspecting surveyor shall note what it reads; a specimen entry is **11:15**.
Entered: **9:05**
